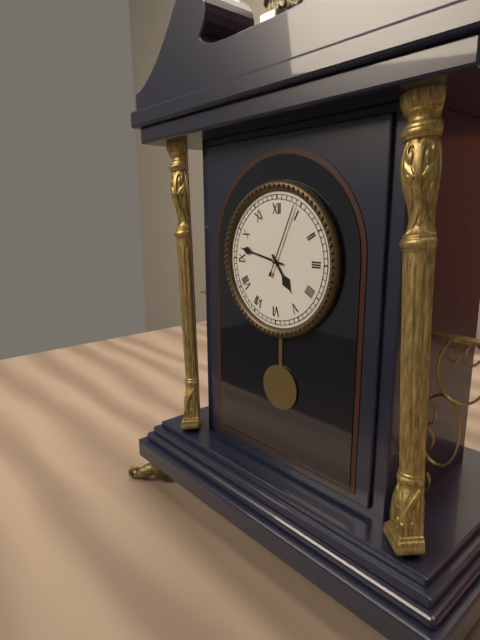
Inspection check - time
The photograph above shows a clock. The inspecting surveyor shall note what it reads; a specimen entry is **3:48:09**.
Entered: **4:47:04**
